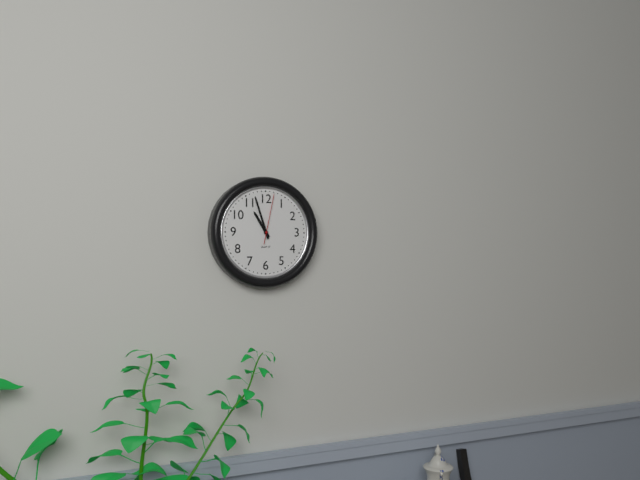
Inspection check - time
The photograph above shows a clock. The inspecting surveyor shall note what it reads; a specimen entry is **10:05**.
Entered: **10:57**
